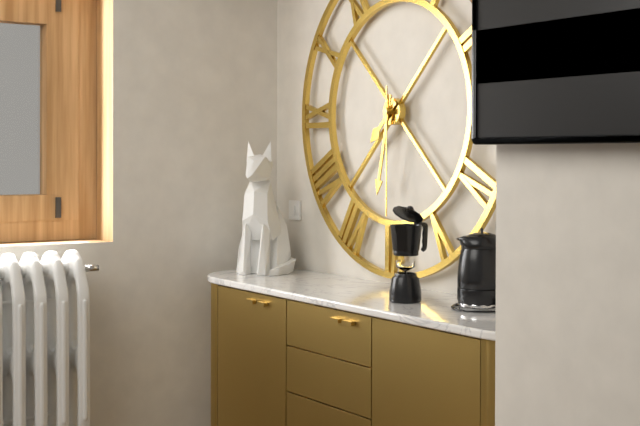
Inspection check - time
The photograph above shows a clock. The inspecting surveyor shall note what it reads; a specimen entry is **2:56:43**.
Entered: **7:32:30**
